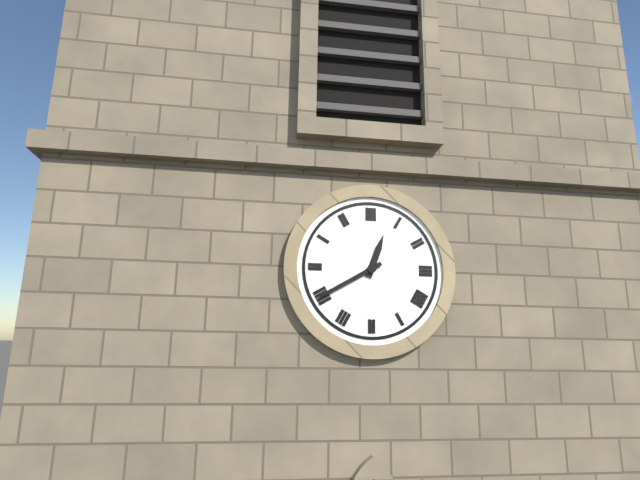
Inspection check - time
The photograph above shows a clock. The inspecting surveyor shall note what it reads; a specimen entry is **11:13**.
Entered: **12:40**
